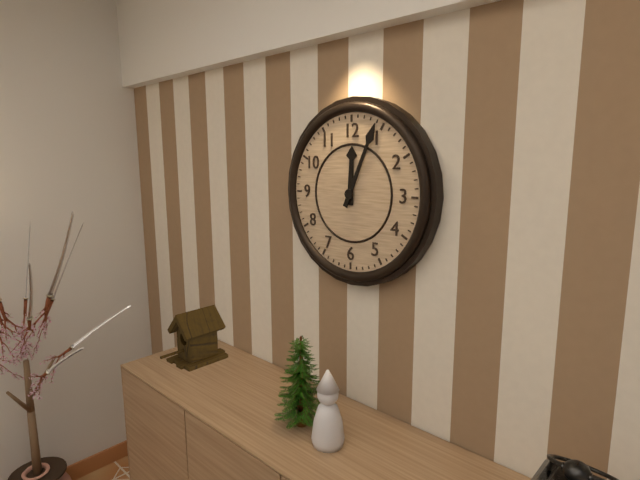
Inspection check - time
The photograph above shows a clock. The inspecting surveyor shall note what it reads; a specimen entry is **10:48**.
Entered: **12:04**
